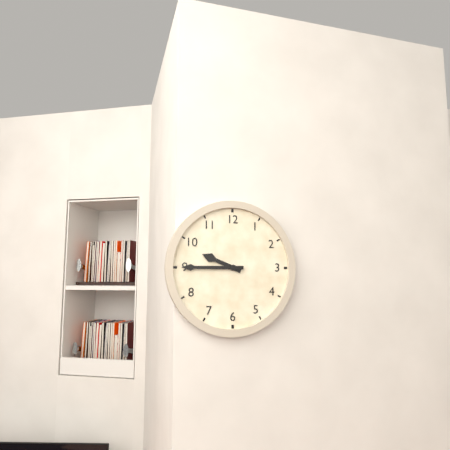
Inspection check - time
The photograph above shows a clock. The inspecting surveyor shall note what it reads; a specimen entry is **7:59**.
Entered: **9:45**
